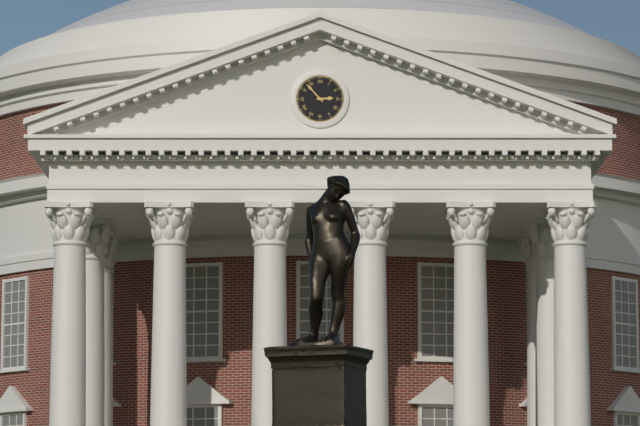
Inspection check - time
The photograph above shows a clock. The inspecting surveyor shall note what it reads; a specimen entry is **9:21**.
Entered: **2:53**
